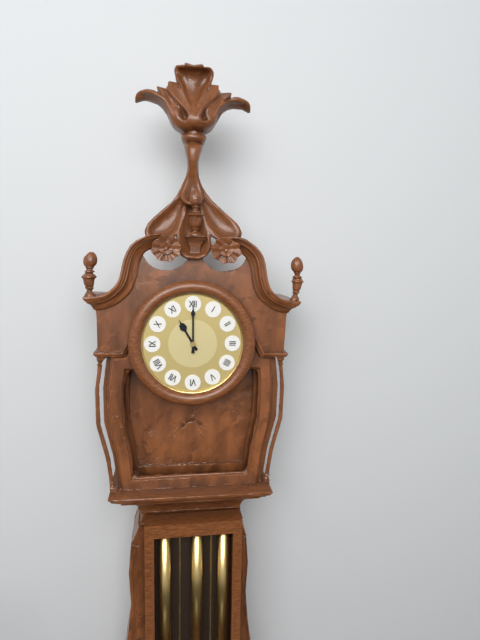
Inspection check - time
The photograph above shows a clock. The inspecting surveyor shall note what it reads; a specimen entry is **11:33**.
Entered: **11:00**
